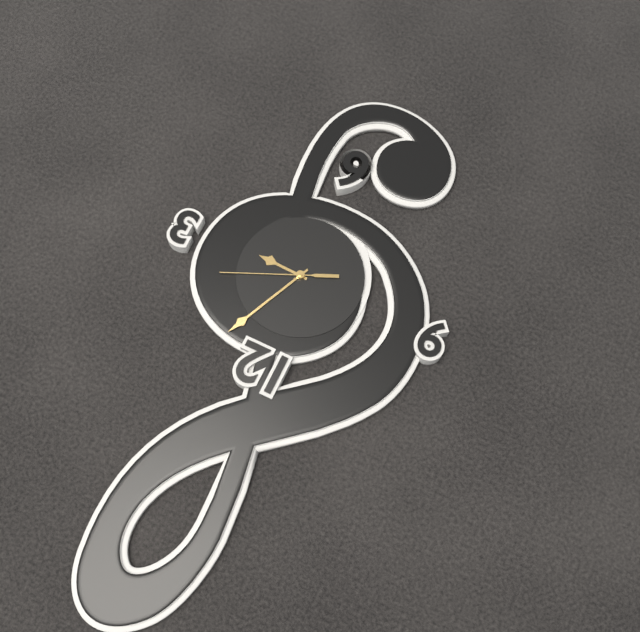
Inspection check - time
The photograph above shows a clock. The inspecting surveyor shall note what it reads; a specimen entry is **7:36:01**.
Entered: **3:04:11**
